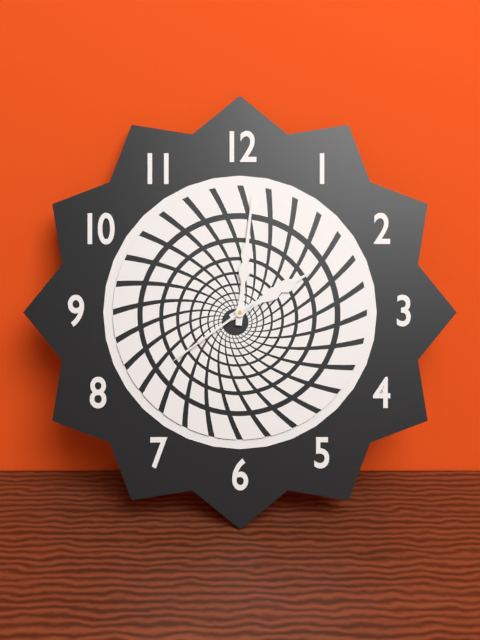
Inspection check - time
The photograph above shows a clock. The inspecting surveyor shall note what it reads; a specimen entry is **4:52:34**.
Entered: **2:01:39**
